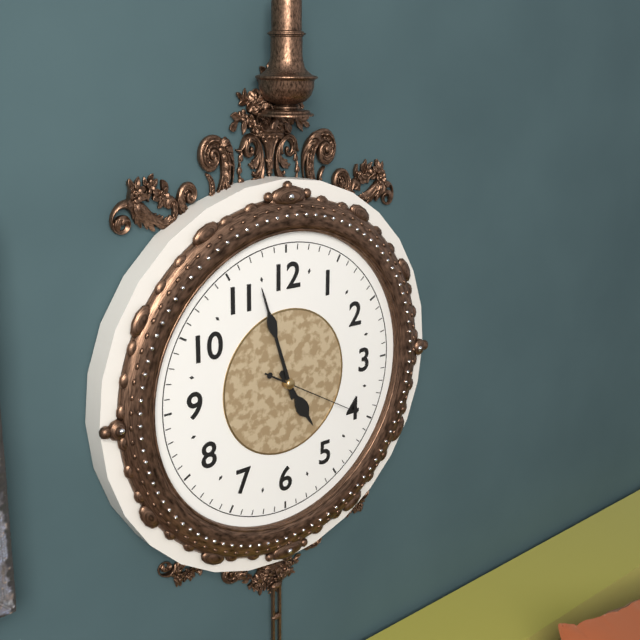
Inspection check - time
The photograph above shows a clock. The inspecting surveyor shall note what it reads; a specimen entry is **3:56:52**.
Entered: **4:57:20**
